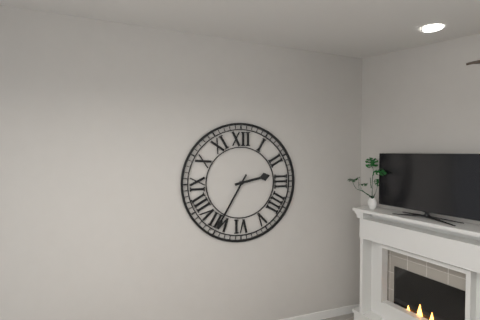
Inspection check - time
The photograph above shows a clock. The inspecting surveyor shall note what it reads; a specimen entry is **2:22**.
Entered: **2:35**
